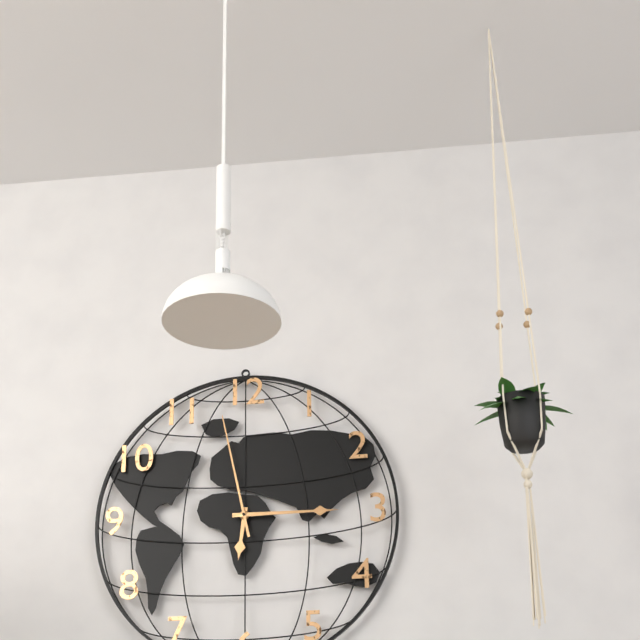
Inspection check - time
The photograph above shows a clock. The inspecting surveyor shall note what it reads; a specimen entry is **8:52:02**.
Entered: **6:15:58**
